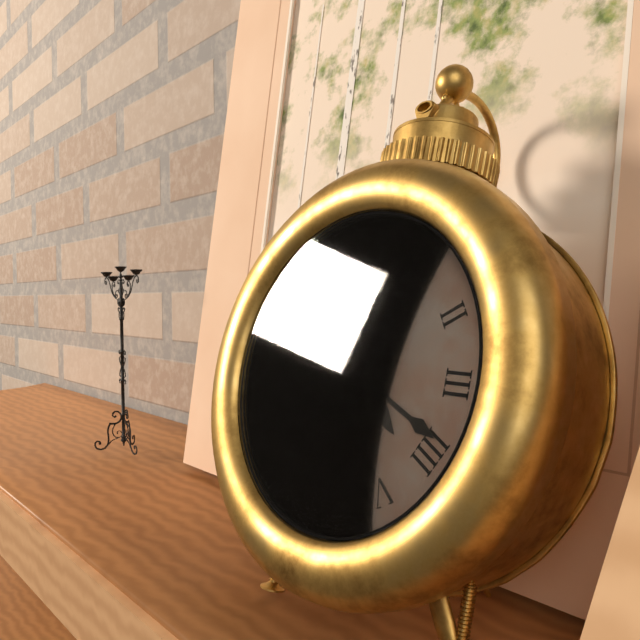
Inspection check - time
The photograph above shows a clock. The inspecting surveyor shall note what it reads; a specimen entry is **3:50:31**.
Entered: **4:19:56**
